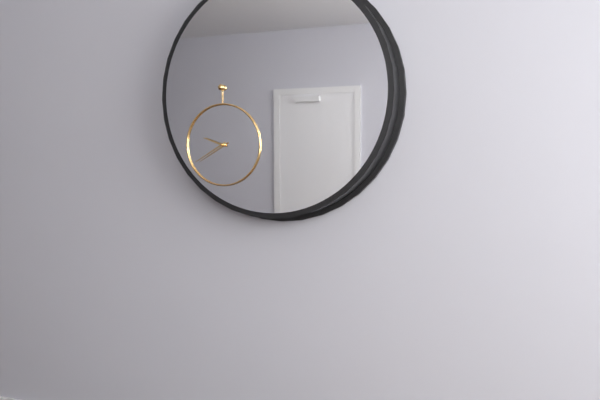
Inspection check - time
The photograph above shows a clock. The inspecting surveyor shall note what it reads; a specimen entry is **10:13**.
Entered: **9:40**
